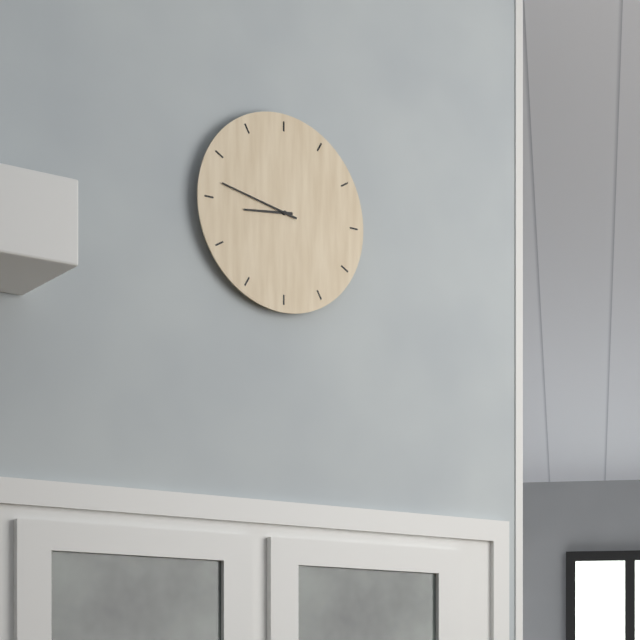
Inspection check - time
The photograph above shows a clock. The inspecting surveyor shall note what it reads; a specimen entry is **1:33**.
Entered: **8:47**
